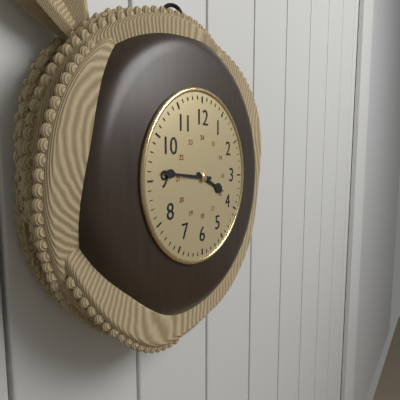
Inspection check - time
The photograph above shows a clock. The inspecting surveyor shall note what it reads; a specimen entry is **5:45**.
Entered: **3:46**
